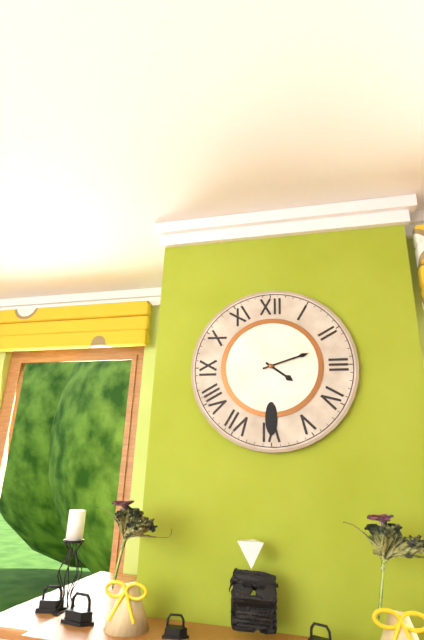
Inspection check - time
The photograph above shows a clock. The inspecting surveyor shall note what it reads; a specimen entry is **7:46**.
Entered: **4:12**
